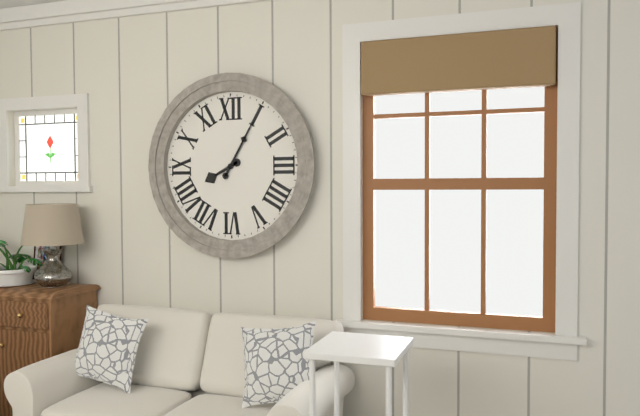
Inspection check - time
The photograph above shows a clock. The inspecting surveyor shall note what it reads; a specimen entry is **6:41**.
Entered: **8:05**
